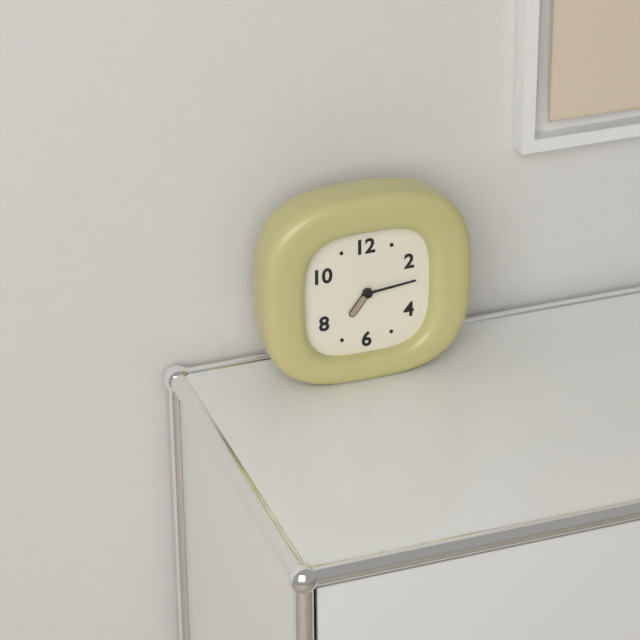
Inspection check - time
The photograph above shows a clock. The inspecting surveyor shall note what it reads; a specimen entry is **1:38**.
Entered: **7:14**
